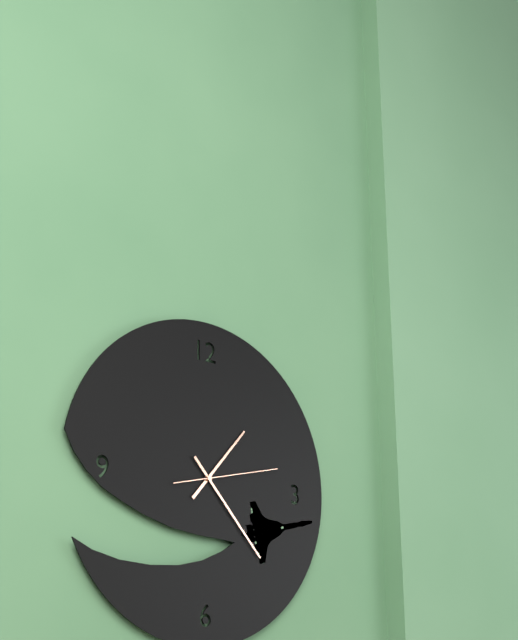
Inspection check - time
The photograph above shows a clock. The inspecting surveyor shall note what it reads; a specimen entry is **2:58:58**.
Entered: **1:23:13**
